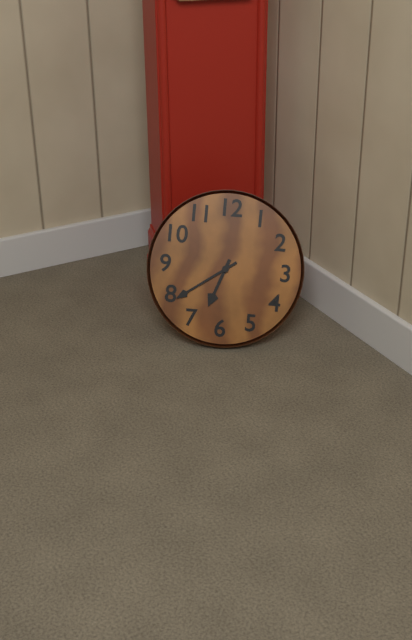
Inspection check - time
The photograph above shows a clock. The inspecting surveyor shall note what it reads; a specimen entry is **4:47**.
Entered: **6:39**
